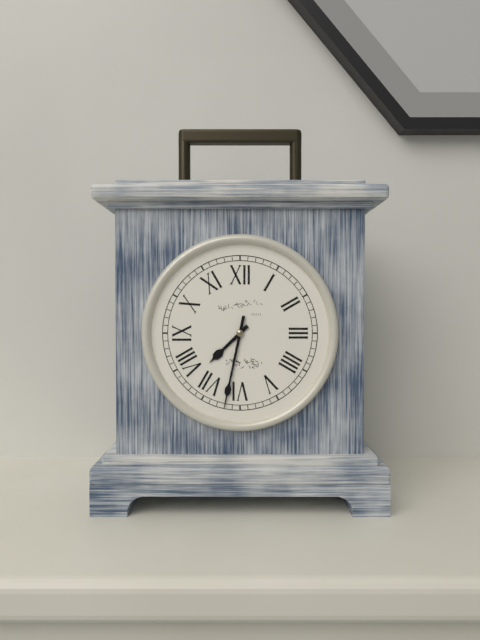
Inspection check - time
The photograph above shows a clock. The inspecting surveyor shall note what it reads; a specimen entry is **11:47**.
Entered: **7:32**
